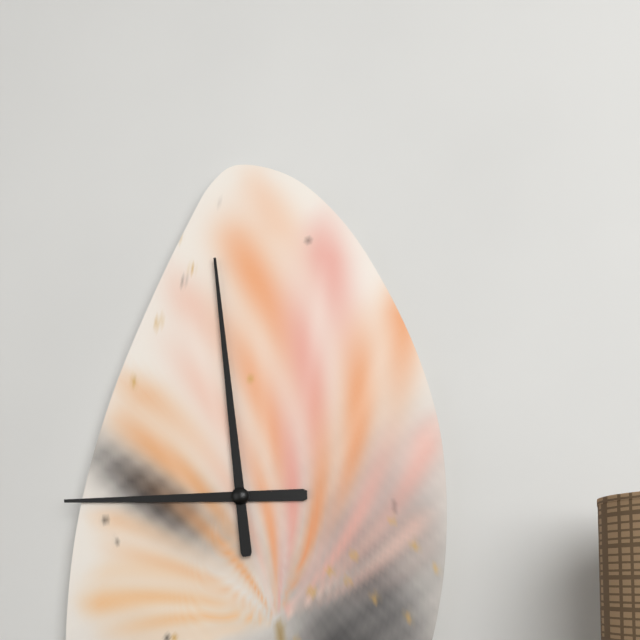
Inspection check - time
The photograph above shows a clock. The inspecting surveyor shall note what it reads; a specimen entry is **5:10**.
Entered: **8:59**
